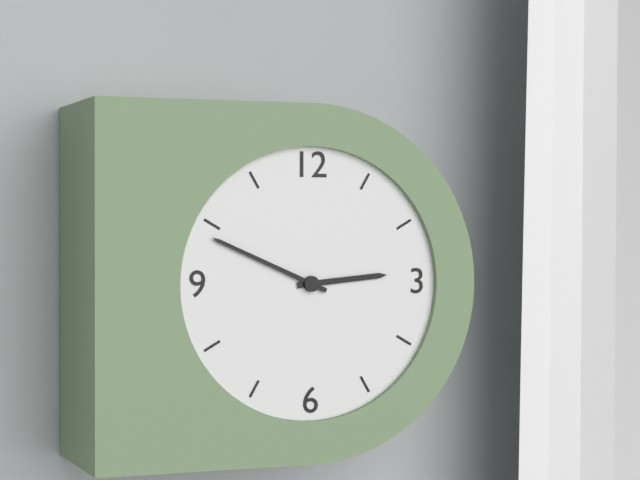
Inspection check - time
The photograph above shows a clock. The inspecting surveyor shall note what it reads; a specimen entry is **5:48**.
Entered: **2:49**
